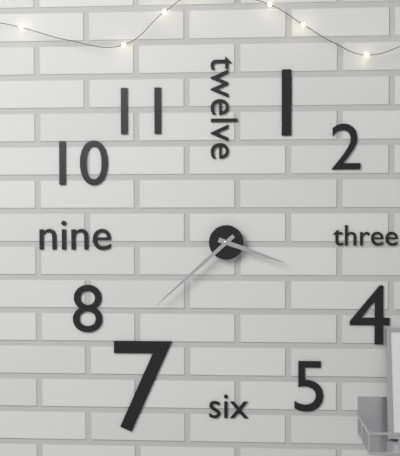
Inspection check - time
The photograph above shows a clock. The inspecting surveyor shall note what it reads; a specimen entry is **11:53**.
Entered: **3:38**
